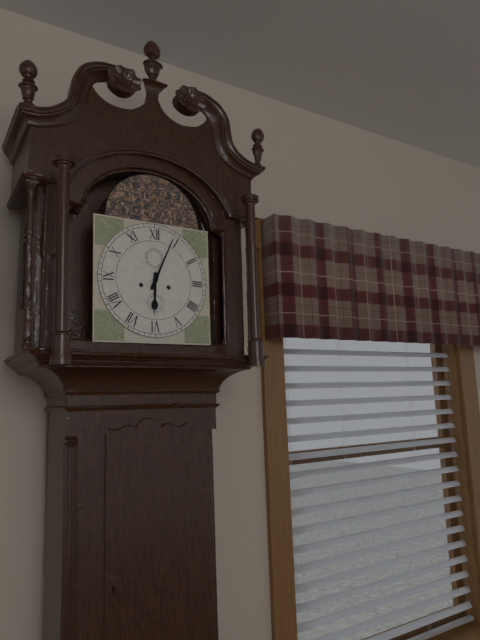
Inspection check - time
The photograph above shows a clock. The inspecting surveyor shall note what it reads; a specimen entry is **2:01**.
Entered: **6:04**
